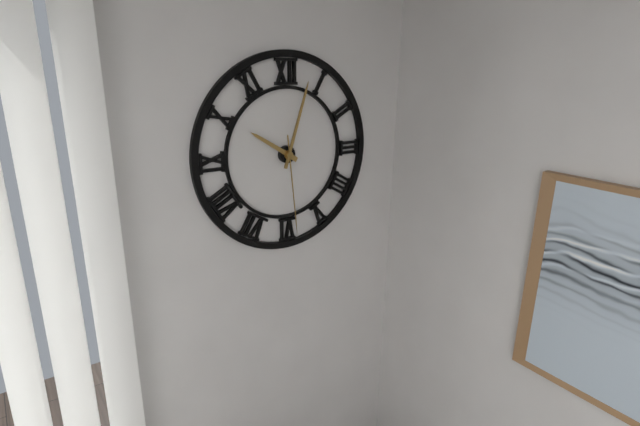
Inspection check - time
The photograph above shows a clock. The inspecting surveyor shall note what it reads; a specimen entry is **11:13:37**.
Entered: **10:03:29**
